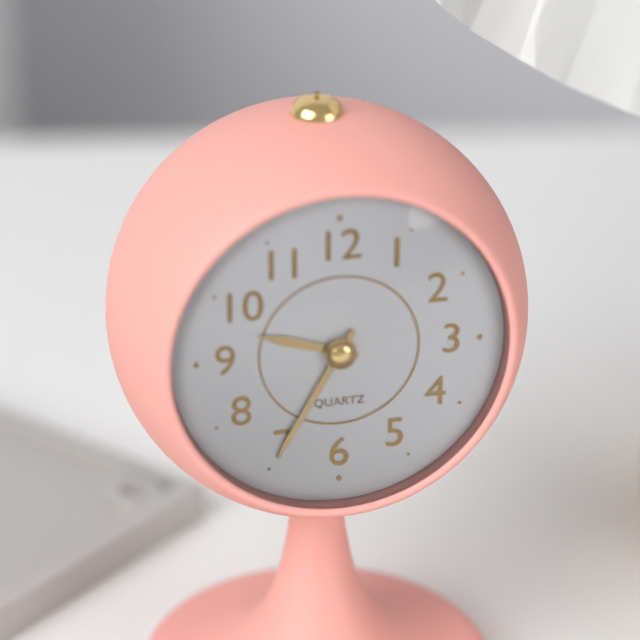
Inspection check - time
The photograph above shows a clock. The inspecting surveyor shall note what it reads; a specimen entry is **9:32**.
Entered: **9:35**
